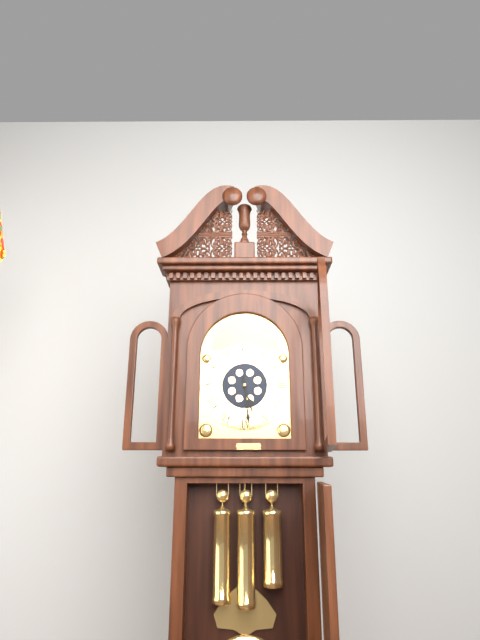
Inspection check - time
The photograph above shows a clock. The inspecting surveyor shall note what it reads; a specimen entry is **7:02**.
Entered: **5:29**
